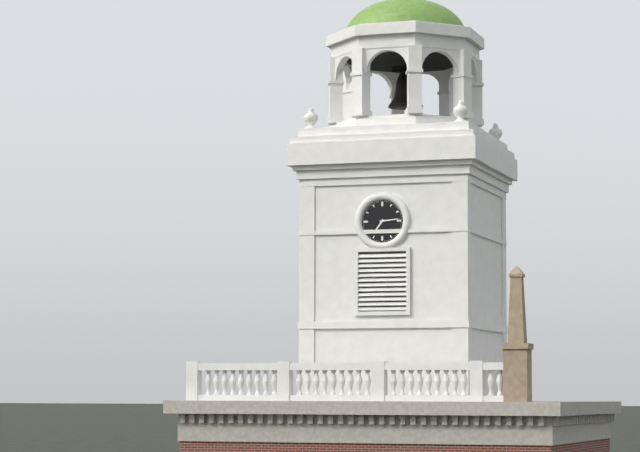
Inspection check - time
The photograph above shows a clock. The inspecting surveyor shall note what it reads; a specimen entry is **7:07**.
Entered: **7:14**
